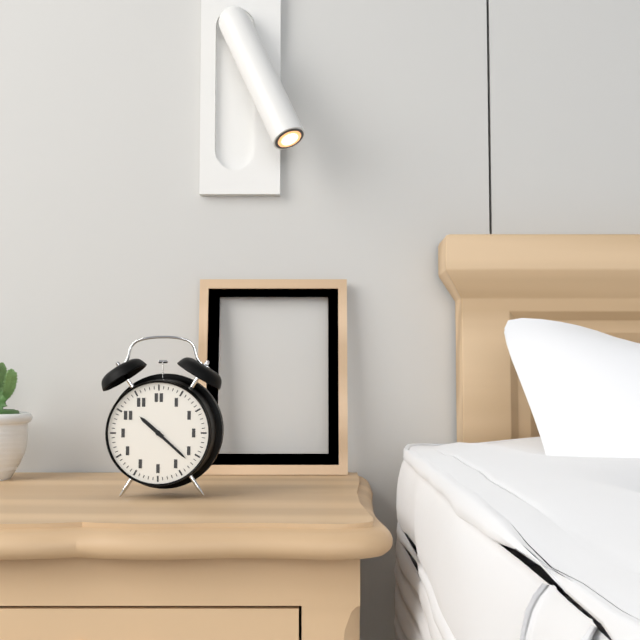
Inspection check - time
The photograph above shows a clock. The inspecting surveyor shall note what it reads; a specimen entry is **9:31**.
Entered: **10:22**
